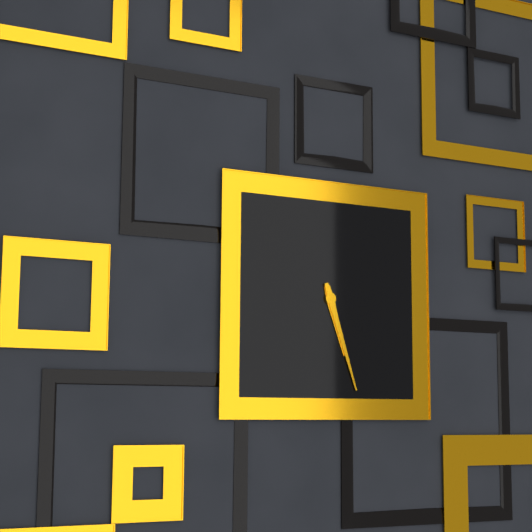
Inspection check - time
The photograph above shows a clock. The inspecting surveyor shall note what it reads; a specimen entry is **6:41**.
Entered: **5:27**
